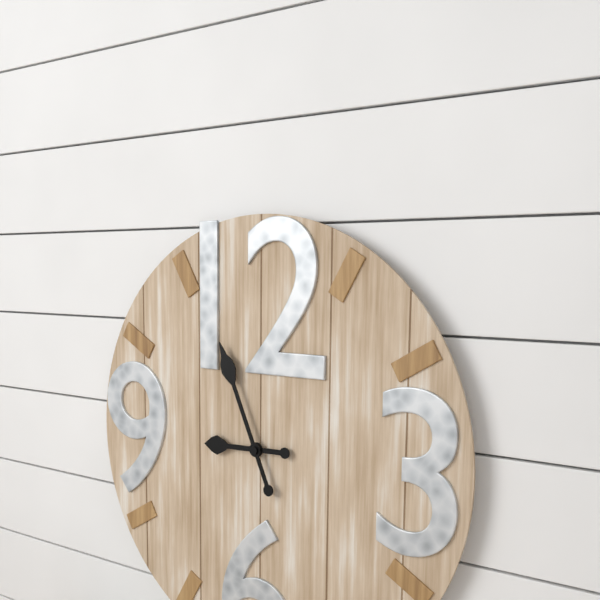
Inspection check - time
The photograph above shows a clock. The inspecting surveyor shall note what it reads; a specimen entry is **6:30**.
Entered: **8:56**
